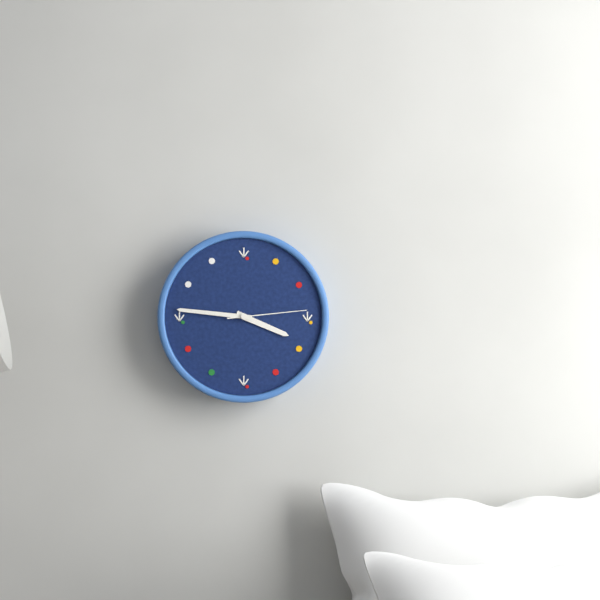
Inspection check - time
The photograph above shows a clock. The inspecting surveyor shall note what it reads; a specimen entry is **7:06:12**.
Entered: **3:46:14**
